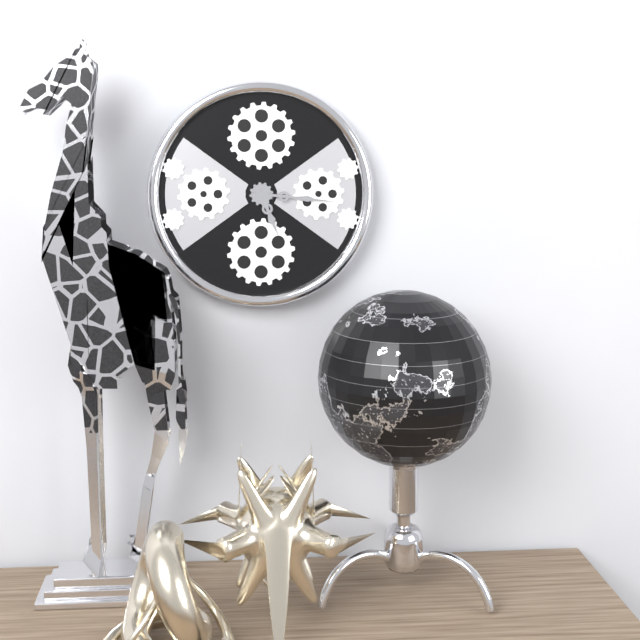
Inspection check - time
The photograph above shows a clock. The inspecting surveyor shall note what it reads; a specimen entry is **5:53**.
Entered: **5:16**
